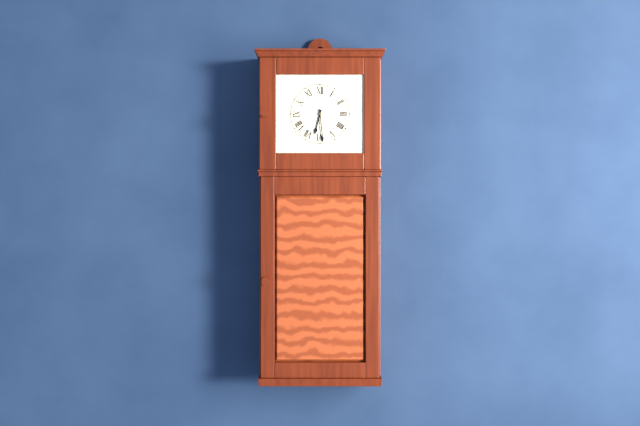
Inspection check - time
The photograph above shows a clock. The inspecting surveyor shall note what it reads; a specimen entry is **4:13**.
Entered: **6:29**
